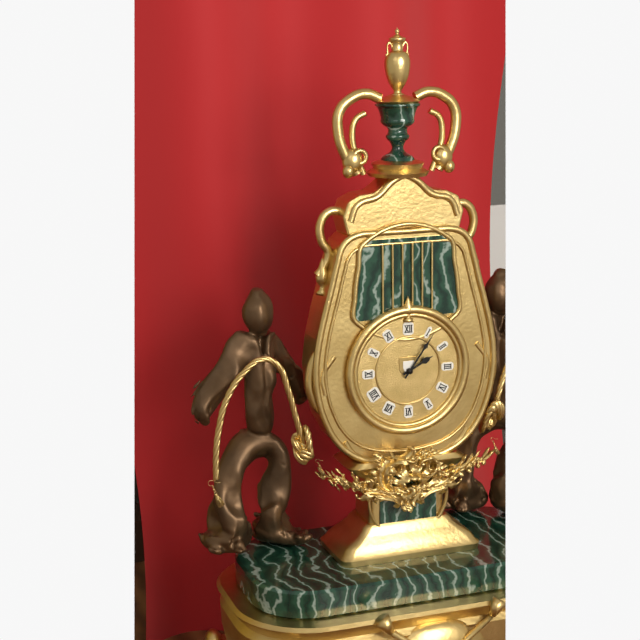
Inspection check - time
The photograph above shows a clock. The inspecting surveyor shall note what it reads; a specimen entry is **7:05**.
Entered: **2:06**
